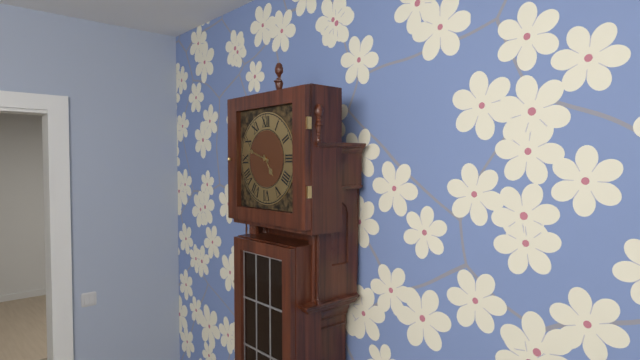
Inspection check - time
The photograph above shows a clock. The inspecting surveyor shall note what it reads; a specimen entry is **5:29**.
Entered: **4:48**
